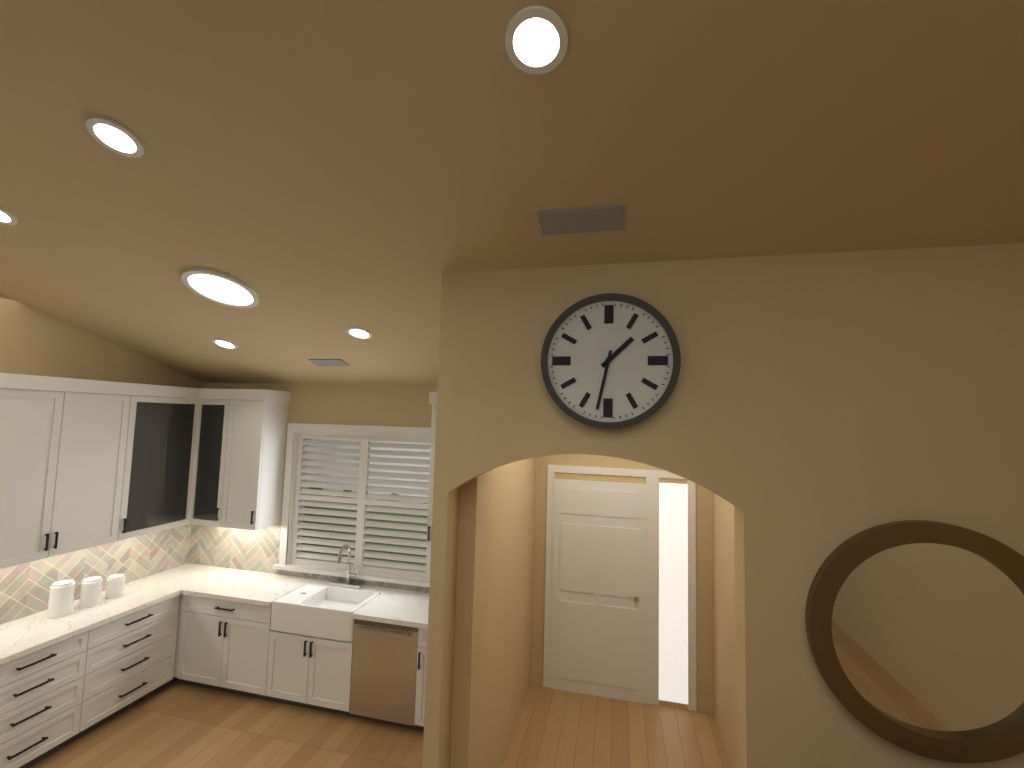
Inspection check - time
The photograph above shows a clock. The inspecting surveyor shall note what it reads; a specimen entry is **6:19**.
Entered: **1:32**
